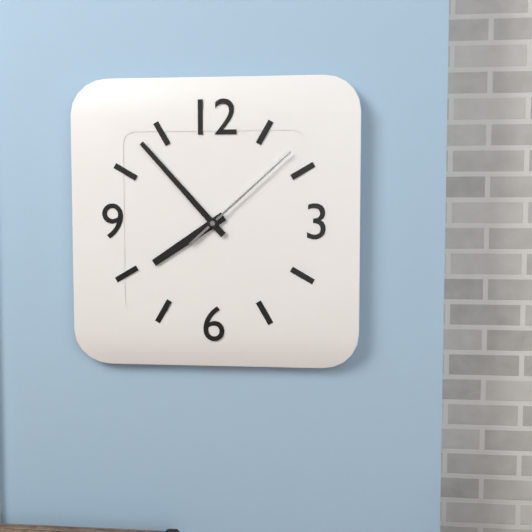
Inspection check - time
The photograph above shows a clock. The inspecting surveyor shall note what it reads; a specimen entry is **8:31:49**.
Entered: **7:53:08**
